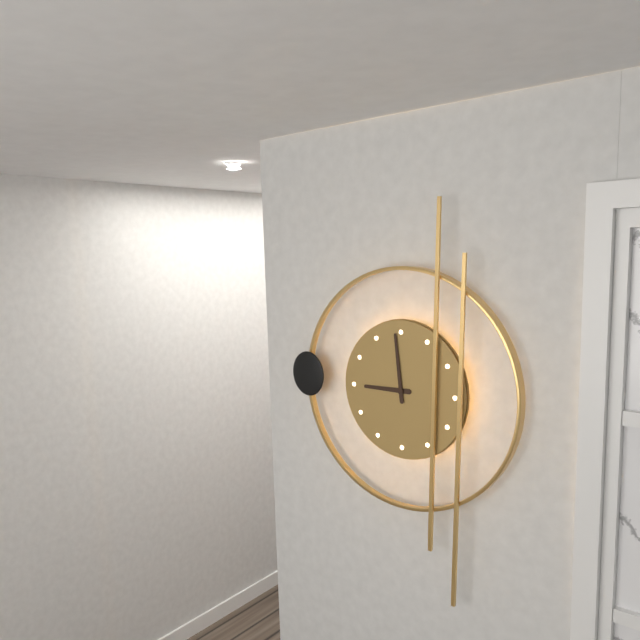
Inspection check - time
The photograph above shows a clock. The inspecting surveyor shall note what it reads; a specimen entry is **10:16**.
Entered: **8:59**
